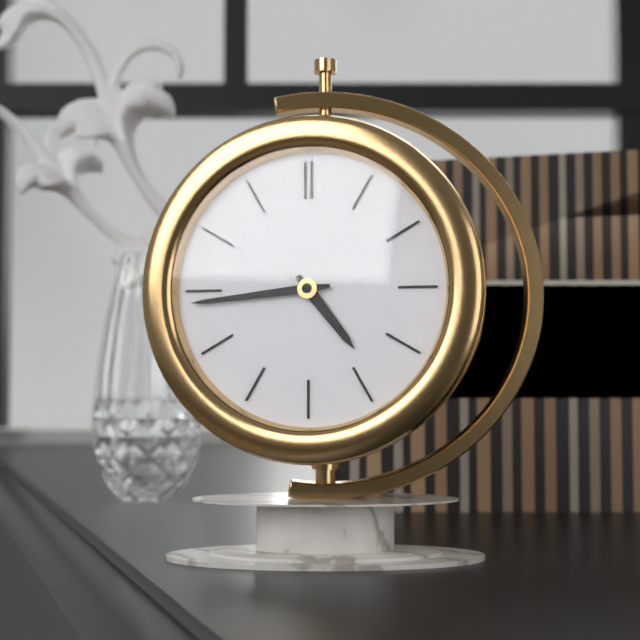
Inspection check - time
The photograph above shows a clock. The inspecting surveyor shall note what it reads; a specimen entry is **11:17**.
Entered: **4:44**
